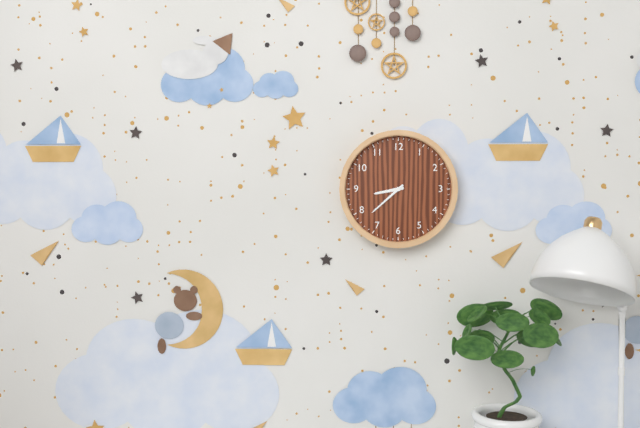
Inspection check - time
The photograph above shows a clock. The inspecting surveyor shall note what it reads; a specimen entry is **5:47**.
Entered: **8:38**
